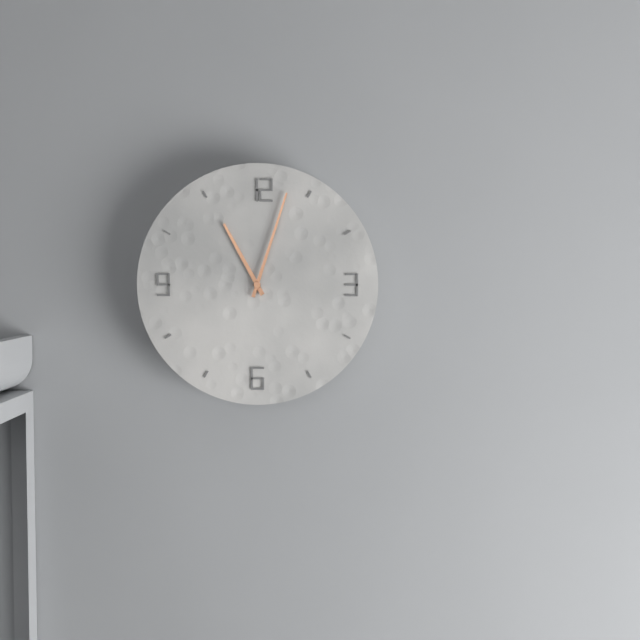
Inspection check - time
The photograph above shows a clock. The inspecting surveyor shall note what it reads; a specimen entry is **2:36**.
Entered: **11:03**
